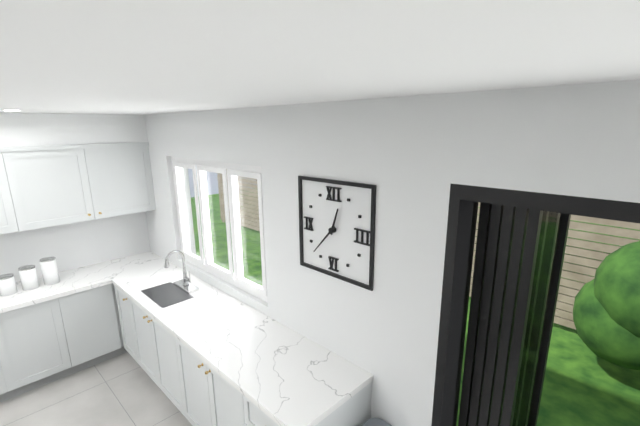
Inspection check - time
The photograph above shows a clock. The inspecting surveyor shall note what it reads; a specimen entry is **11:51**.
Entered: **12:37**
